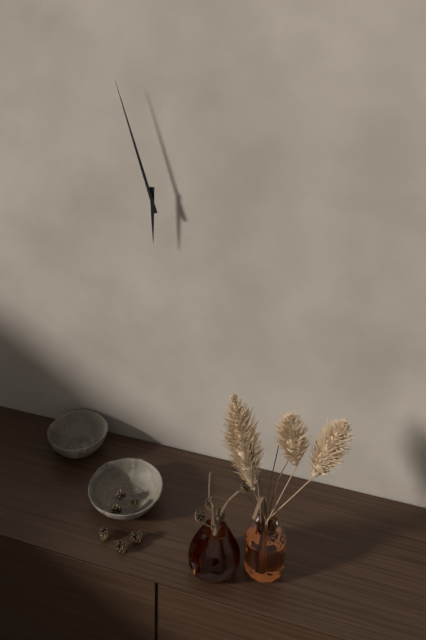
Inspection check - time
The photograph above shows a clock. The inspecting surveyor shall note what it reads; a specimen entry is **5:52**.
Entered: **5:57**
